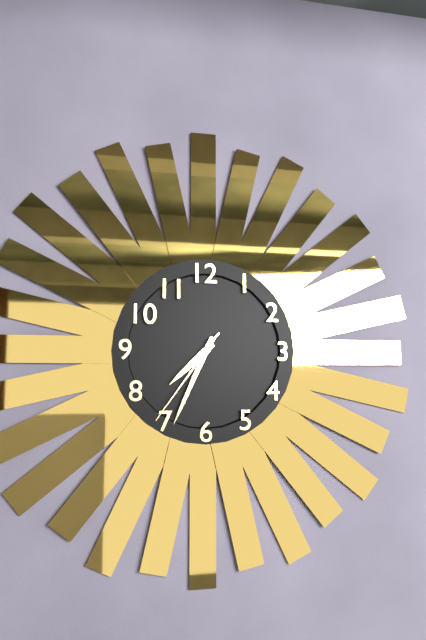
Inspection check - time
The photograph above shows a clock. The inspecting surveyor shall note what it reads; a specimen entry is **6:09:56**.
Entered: **7:34:36**
